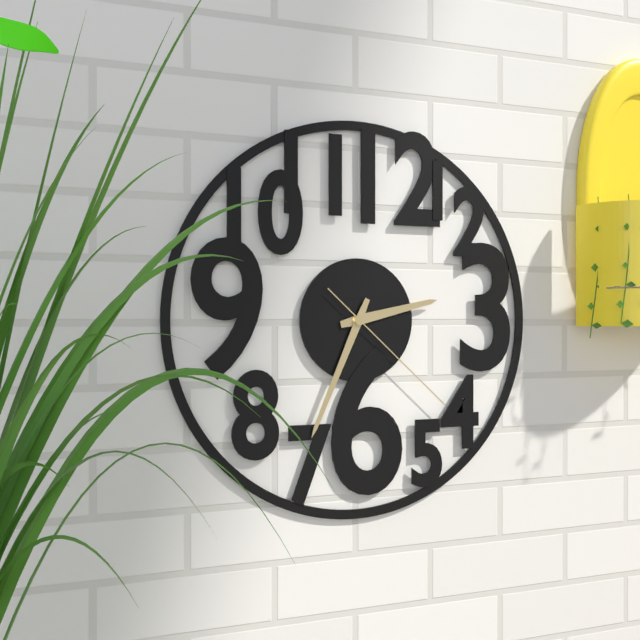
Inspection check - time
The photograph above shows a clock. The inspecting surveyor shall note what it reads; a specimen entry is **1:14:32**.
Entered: **2:34:22**
